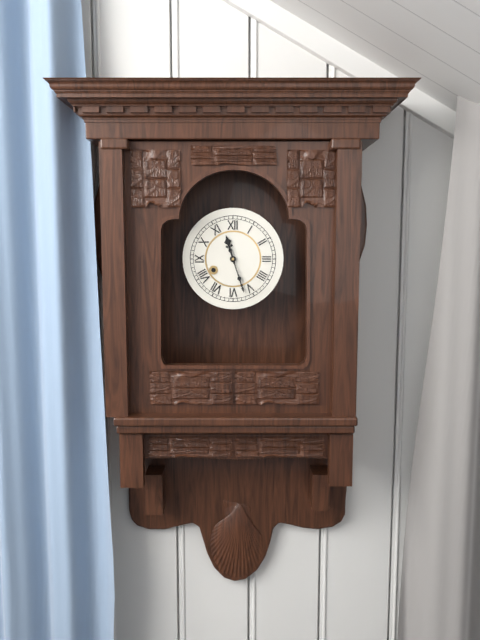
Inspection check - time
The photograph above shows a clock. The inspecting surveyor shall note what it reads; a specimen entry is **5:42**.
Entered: **11:27**
